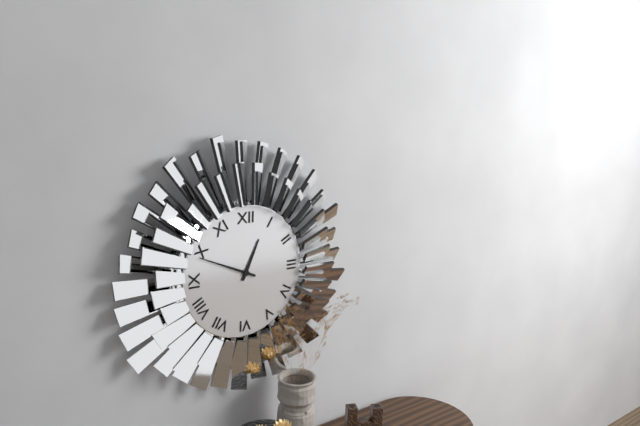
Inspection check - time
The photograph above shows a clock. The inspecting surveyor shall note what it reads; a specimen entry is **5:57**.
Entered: **12:49**
